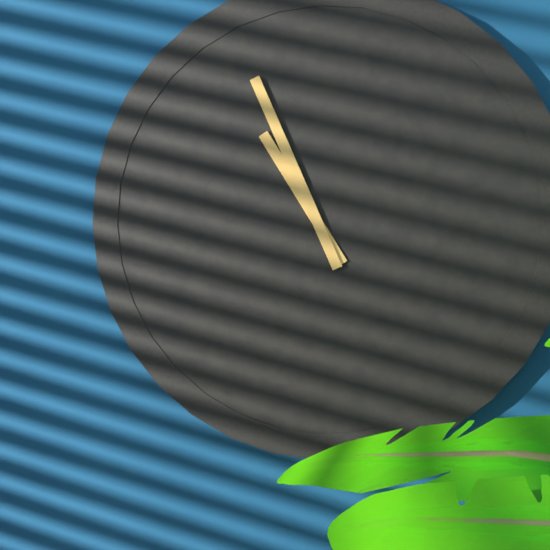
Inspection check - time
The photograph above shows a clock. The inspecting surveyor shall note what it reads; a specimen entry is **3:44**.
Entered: **10:56**
